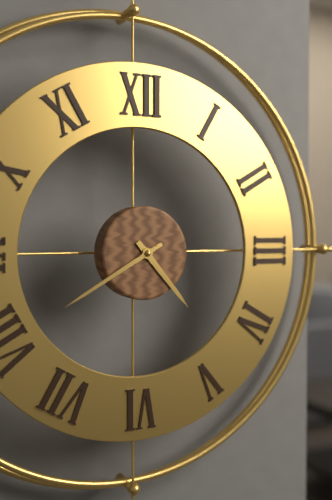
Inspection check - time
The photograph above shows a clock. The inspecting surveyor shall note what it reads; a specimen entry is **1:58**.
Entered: **4:40**
